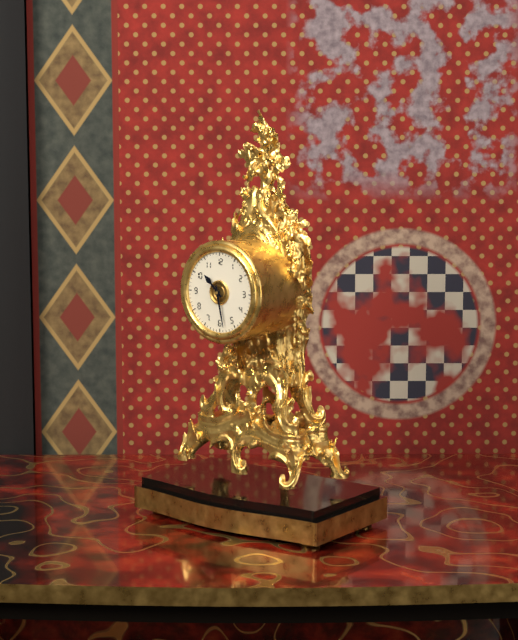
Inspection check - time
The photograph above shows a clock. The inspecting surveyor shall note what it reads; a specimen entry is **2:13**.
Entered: **10:28**
